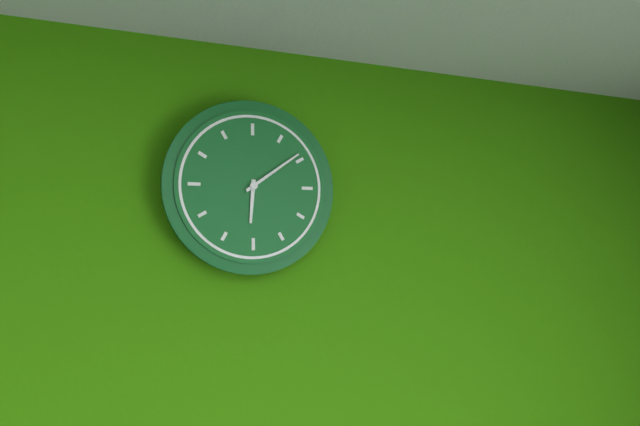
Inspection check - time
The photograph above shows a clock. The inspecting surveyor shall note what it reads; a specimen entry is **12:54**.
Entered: **6:09**
